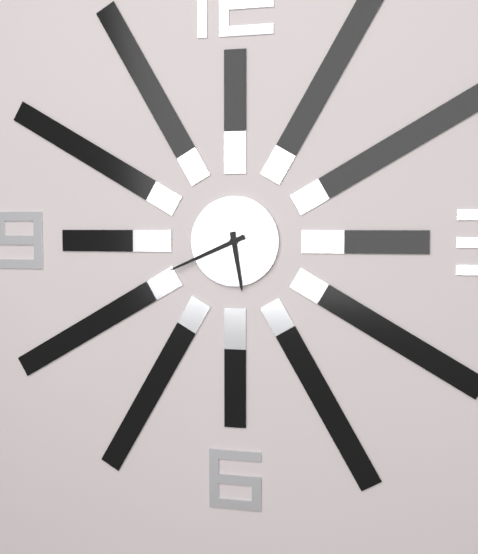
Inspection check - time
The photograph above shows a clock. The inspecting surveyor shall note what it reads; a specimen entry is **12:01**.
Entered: **5:41**
